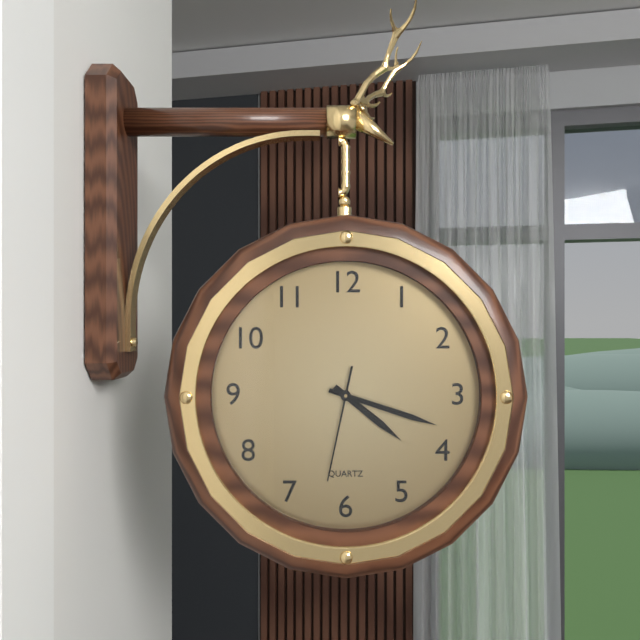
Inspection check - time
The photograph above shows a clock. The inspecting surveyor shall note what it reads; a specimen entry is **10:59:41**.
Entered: **4:18:32**
